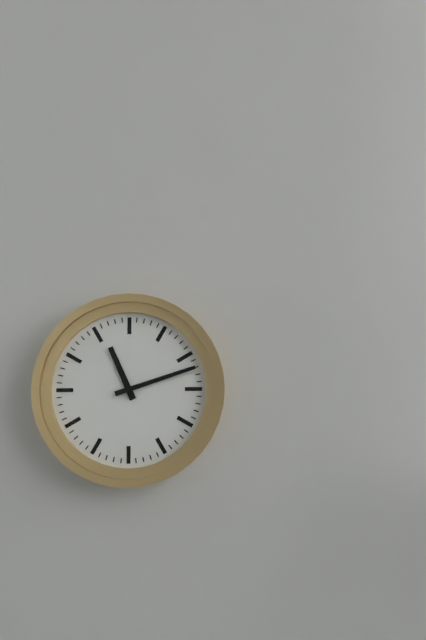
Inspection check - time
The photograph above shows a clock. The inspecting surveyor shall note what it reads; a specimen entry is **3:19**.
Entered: **11:12**
